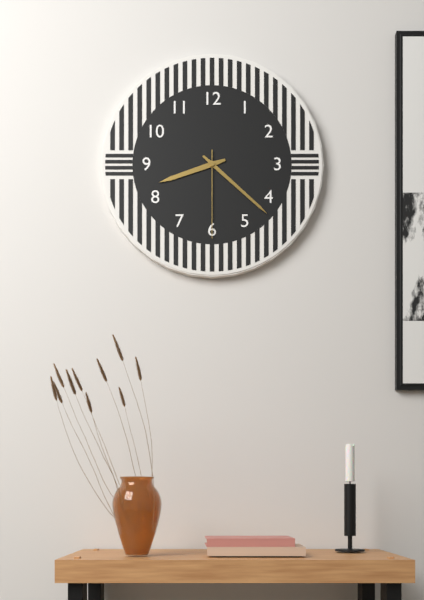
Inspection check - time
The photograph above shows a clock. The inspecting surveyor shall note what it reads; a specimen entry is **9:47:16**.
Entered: **8:22:30**
